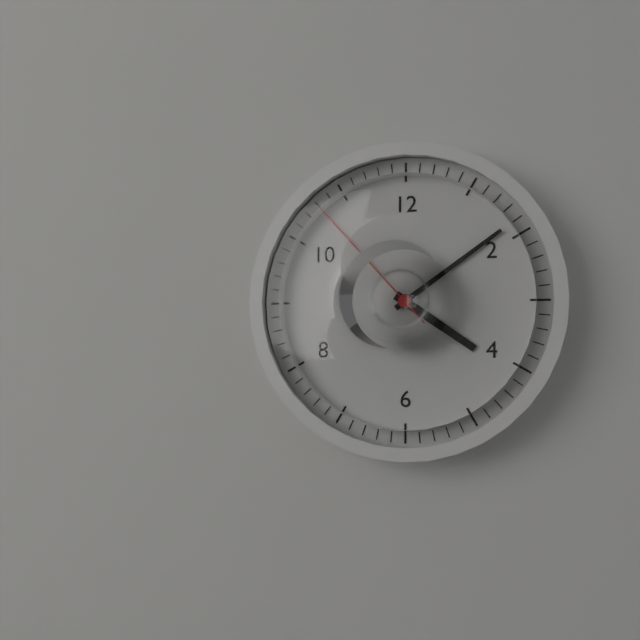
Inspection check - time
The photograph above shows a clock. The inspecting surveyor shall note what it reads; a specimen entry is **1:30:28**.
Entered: **4:09:53**
